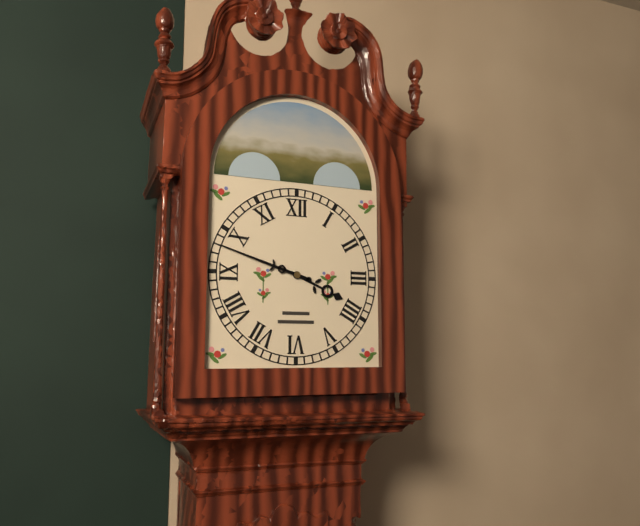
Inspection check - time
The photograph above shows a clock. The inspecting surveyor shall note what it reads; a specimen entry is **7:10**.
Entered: **3:48**
